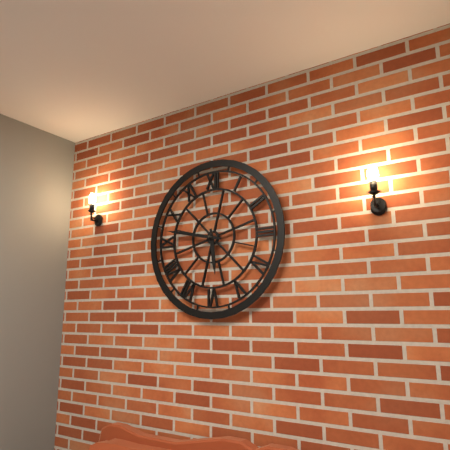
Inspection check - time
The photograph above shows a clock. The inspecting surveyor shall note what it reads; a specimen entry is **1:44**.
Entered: **5:47**
